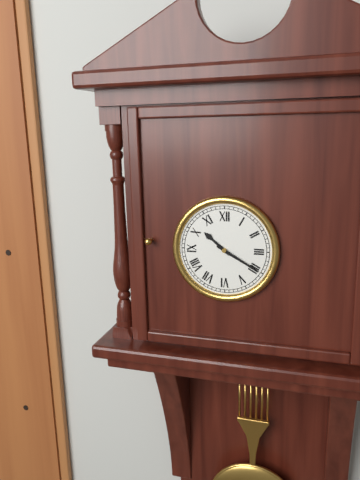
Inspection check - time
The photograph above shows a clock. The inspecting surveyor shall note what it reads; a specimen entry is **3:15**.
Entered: **10:20**
